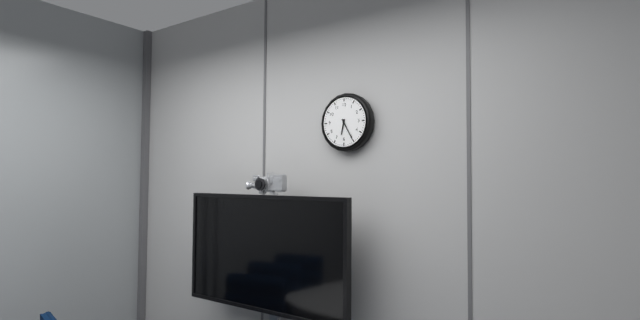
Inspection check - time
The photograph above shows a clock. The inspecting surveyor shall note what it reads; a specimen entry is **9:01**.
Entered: **6:25**
